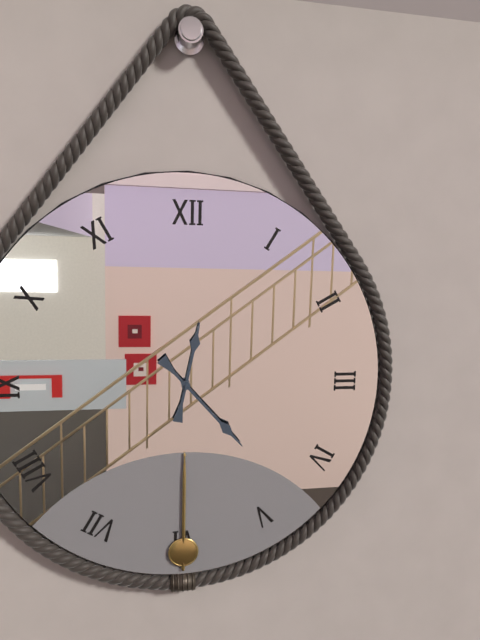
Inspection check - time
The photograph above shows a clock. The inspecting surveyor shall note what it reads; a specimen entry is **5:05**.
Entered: **12:23**
